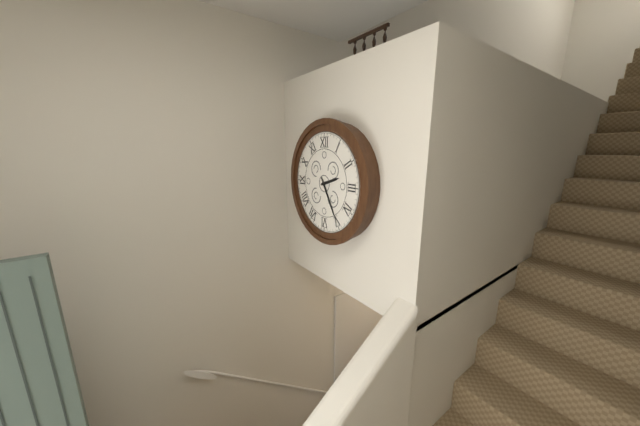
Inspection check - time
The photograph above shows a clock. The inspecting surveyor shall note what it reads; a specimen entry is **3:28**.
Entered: **2:25**
